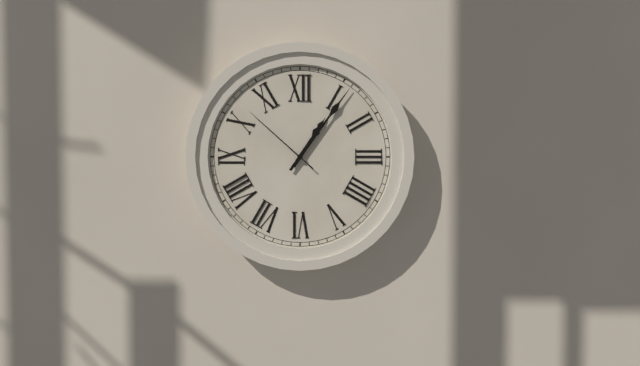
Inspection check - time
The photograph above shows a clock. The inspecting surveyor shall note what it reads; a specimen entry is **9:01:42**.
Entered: **1:06:52**
